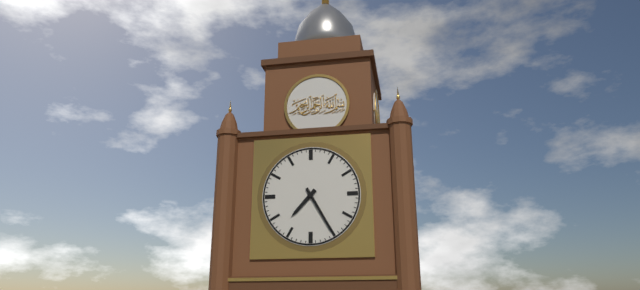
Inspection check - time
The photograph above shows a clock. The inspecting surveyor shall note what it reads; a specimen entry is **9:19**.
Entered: **7:25**
